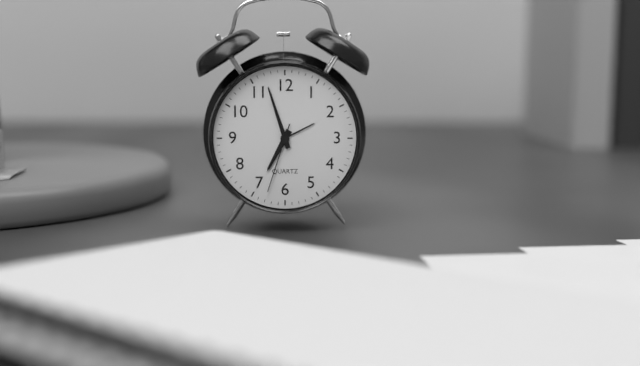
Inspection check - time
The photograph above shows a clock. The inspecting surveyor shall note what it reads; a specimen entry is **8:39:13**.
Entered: **6:57:33**
